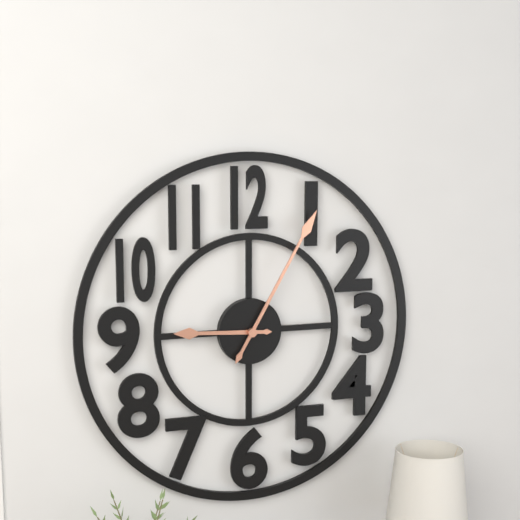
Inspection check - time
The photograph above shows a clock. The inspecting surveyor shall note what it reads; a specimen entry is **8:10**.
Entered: **9:05**
